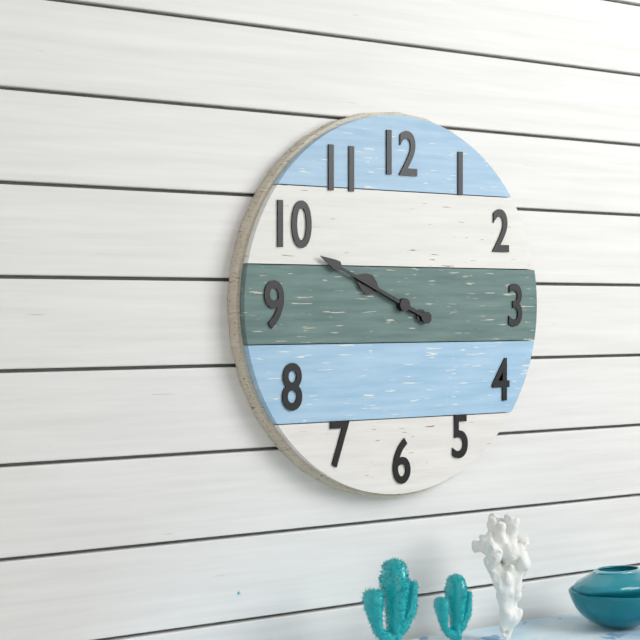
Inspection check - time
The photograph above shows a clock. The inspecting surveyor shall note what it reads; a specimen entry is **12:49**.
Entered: **9:49**
